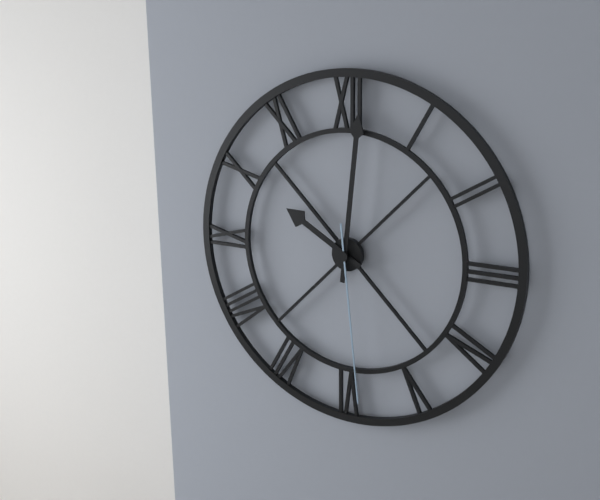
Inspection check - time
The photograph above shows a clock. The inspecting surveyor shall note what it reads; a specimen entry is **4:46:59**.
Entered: **10:01:29**
